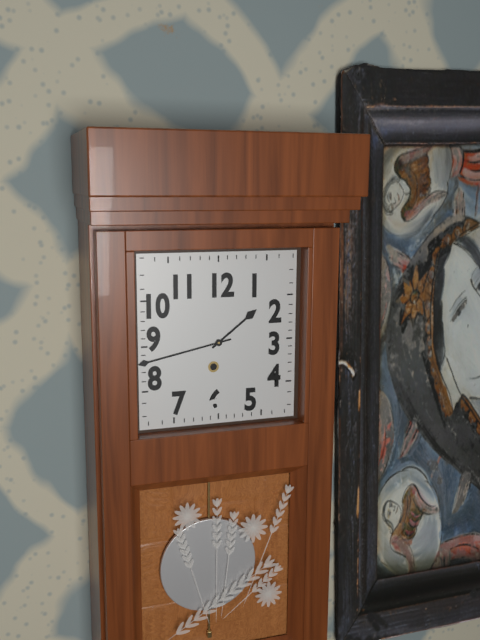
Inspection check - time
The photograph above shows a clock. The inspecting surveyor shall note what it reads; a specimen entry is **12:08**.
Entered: **1:43**
